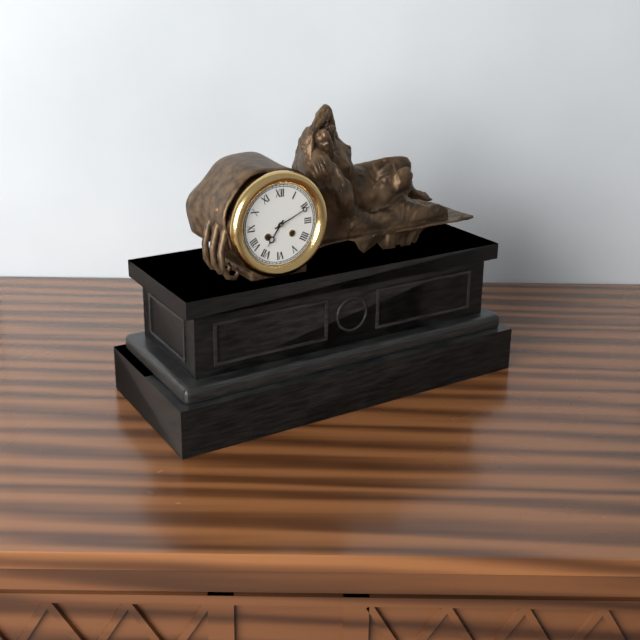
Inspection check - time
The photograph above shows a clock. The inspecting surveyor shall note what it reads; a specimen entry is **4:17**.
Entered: **7:11**
